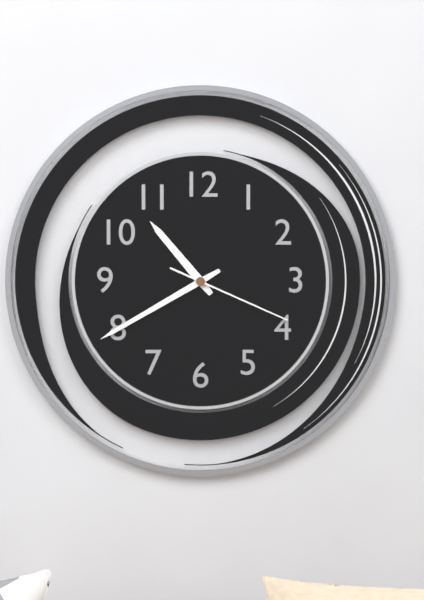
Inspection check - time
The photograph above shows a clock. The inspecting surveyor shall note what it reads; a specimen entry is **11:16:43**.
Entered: **10:40:19**
